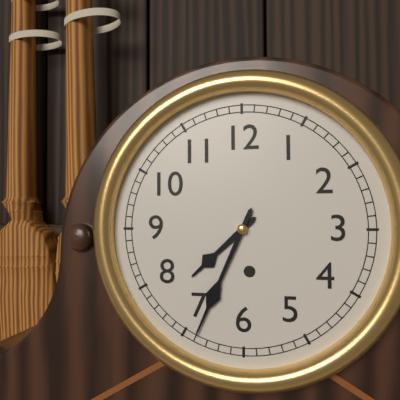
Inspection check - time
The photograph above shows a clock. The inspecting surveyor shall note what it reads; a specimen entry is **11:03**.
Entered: **7:34**
